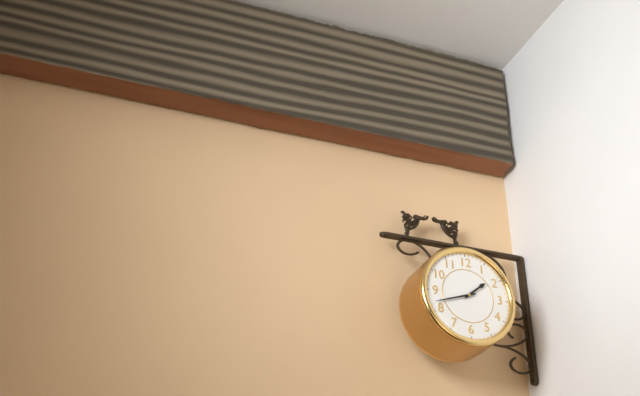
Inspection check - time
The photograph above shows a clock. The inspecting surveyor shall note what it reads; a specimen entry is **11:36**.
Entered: **1:42**
